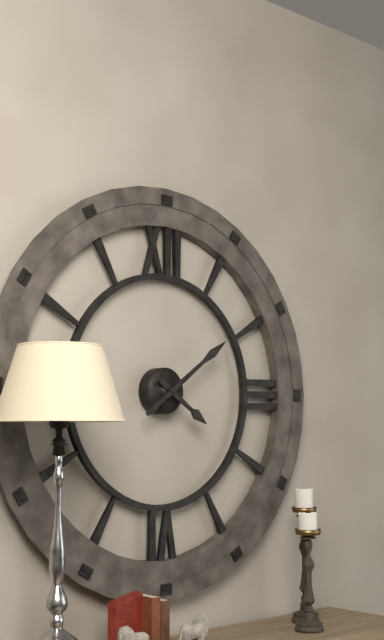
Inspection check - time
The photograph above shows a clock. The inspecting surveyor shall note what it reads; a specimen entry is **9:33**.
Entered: **4:09**
